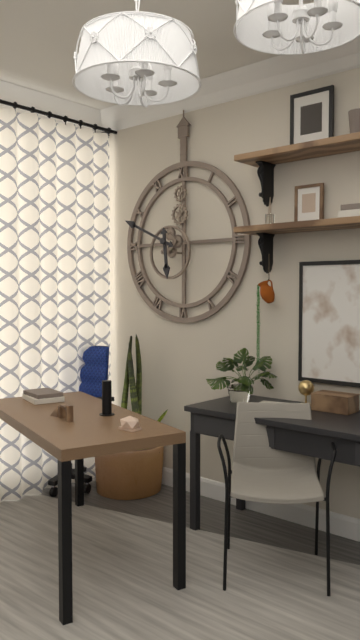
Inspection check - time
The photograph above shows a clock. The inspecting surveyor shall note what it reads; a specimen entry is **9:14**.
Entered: **5:49**
